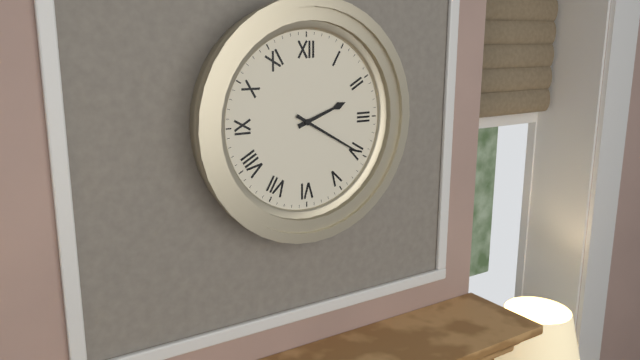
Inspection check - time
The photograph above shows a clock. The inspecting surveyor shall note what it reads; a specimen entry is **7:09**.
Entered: **2:20**
